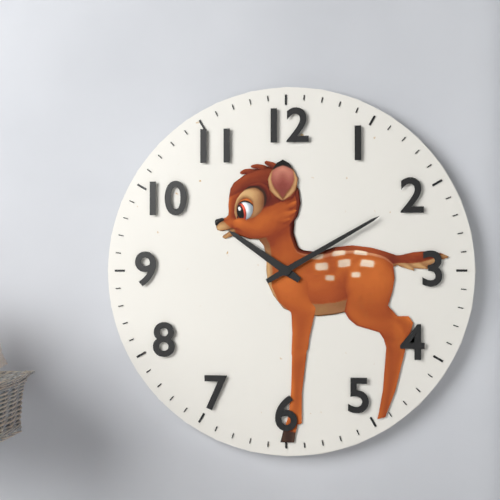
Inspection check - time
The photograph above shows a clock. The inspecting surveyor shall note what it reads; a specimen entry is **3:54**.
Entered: **10:10**
